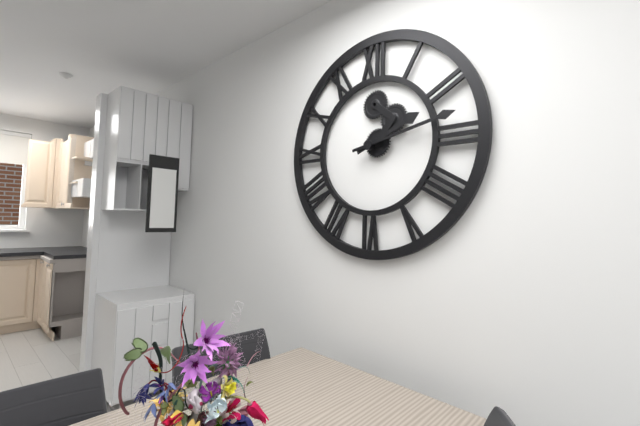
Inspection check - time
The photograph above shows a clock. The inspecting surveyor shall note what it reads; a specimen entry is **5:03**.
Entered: **2:13**
